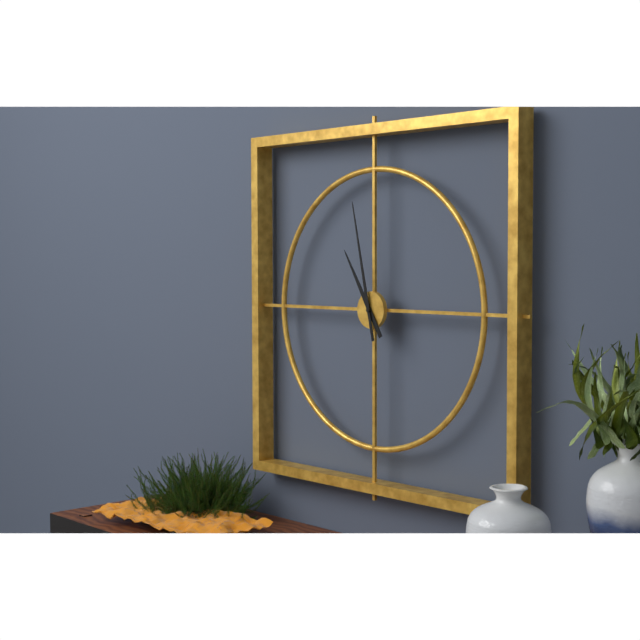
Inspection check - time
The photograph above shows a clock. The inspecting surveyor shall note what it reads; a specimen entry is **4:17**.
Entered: **10:58**
